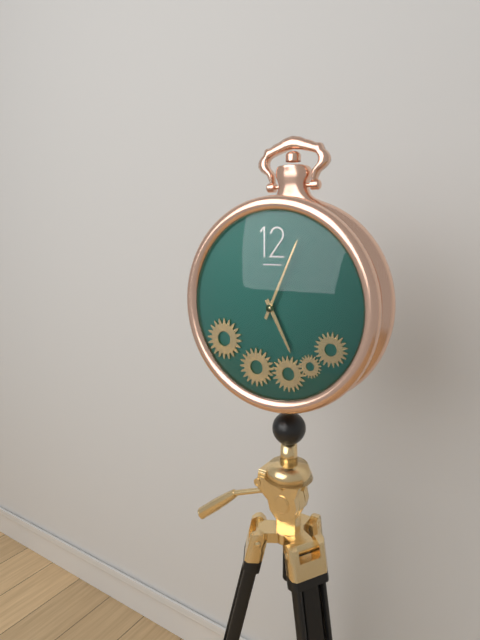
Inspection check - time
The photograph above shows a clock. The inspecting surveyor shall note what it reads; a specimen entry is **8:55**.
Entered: **5:04**
